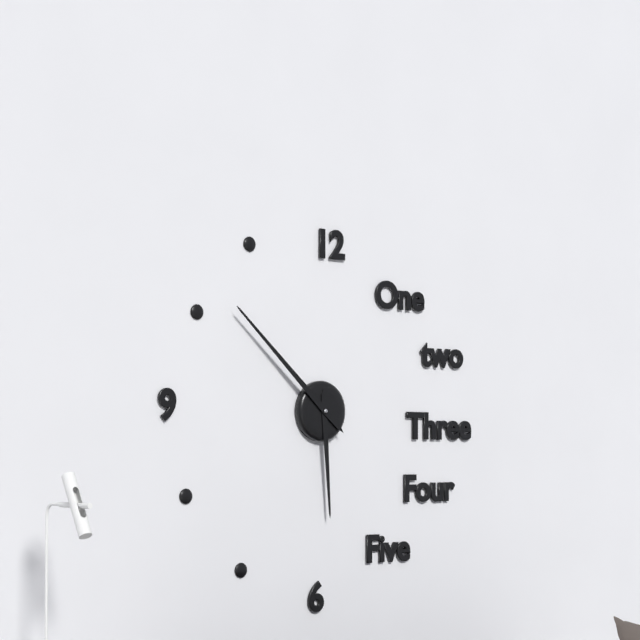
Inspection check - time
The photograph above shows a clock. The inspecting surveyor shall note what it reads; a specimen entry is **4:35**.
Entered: **5:52**
